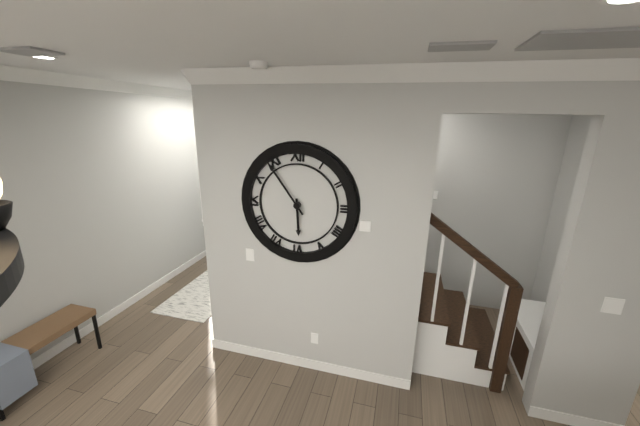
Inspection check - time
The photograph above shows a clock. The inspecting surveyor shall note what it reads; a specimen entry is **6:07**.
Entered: **5:54**
